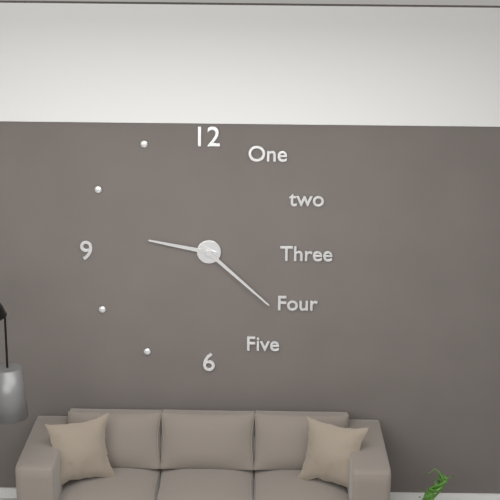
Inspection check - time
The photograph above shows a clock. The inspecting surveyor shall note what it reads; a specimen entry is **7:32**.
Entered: **9:22**
